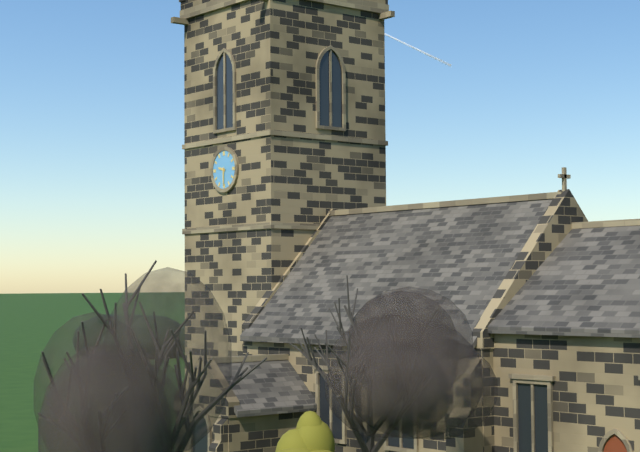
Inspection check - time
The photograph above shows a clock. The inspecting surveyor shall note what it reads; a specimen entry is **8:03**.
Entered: **9:30**
